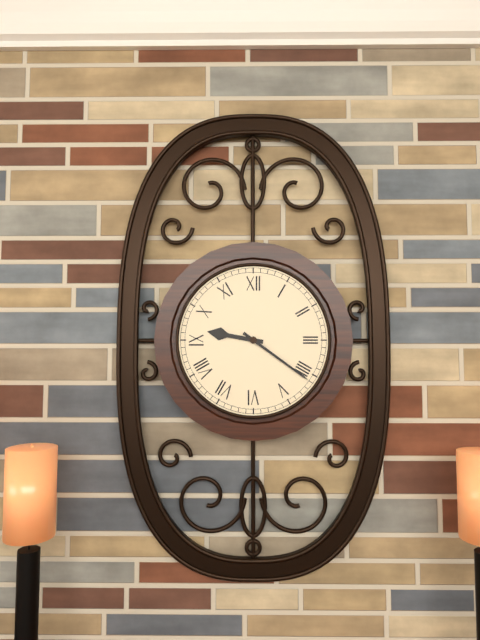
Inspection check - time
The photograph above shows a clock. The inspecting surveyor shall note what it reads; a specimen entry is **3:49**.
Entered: **9:21**
